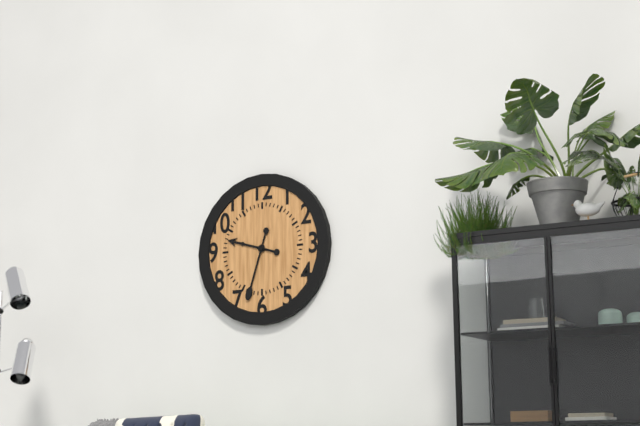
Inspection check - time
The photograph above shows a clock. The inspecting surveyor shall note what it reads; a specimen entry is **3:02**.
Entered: **9:33**
